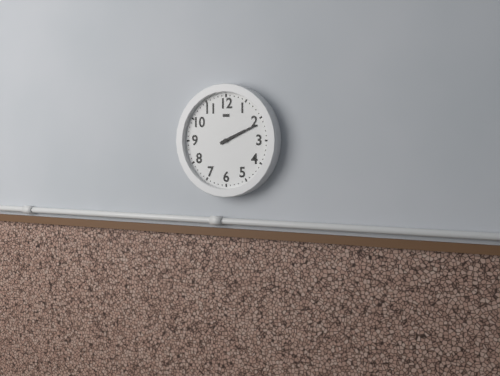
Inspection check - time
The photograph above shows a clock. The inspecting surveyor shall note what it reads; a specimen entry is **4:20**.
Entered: **2:11**
